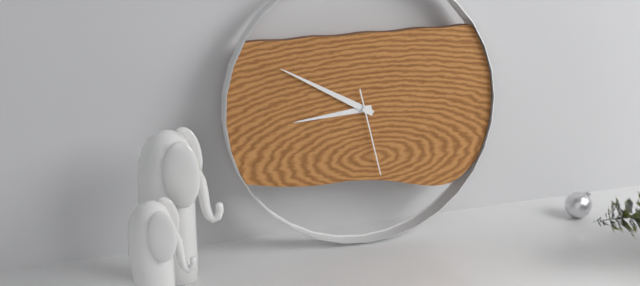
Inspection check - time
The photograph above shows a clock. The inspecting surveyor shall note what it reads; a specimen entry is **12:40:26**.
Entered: **8:50:28**
